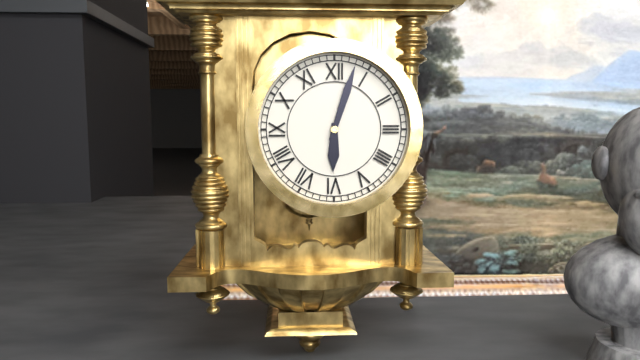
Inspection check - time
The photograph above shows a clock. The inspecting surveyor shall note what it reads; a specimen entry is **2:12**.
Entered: **6:03**
